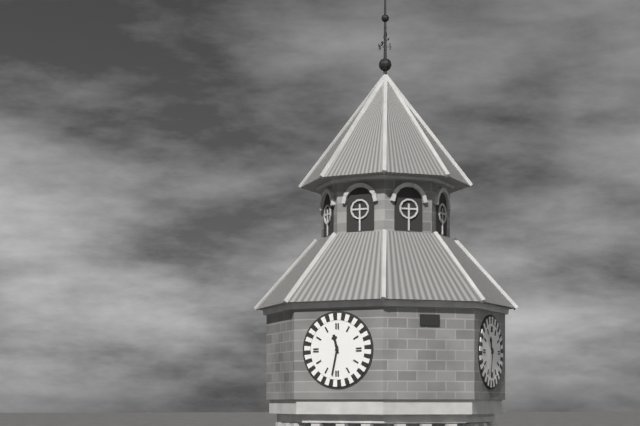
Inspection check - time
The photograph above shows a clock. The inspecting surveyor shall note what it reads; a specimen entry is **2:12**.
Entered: **11:32**
